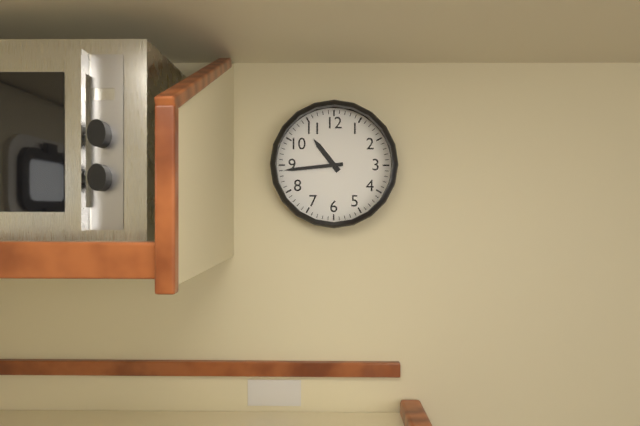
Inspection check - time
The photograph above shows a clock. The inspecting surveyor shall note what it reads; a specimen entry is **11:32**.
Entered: **10:44**
